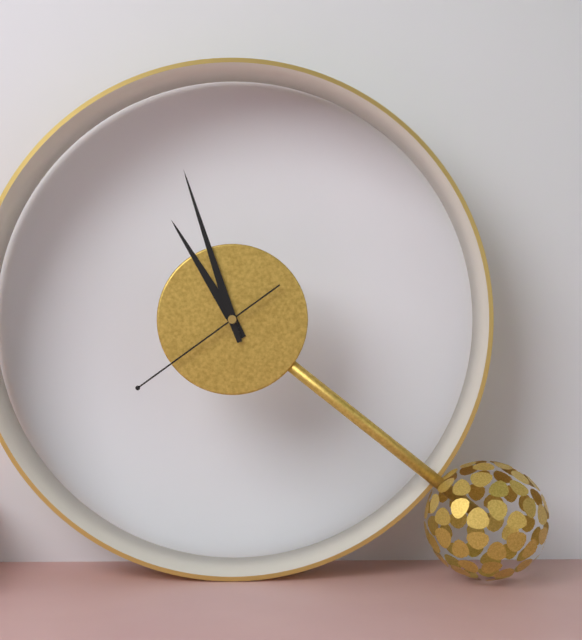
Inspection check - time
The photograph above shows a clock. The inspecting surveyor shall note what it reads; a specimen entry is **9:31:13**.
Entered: **10:57:39**
